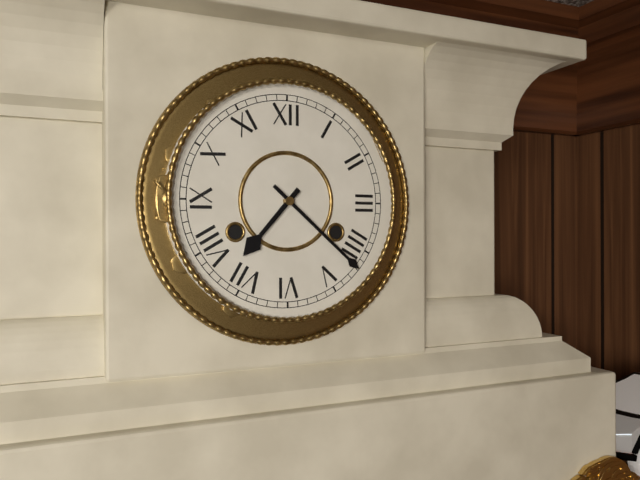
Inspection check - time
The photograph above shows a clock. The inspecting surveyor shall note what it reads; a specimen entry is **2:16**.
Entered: **7:22**
